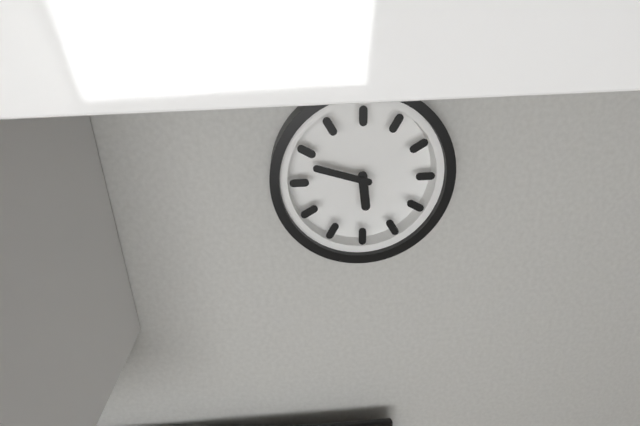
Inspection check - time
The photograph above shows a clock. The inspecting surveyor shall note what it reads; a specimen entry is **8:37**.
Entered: **5:48**
